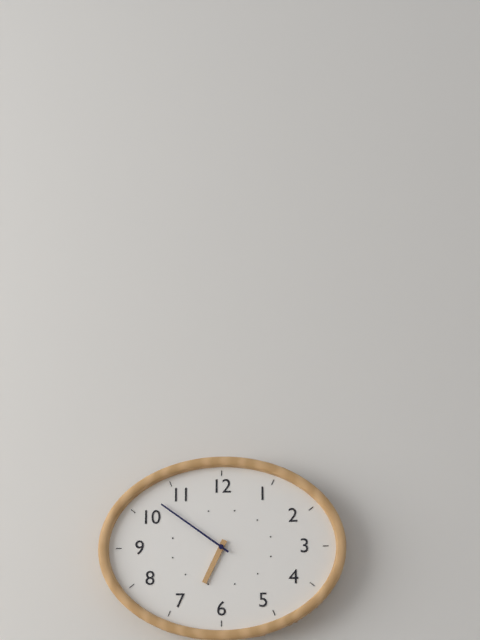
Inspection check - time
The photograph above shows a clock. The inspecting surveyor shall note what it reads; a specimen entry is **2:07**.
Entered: **6:51**
